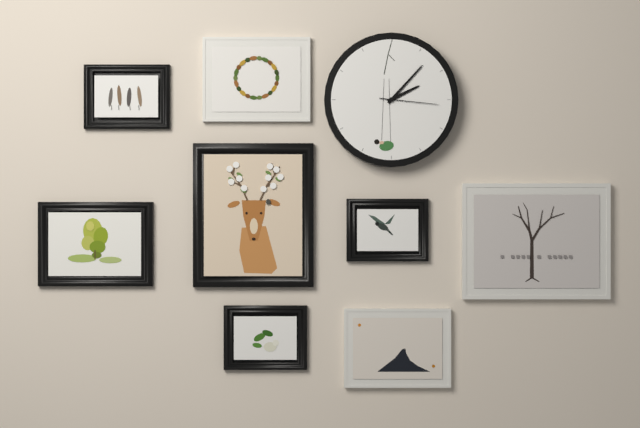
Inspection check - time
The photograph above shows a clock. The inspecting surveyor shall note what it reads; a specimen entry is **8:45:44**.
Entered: **2:07:16**
